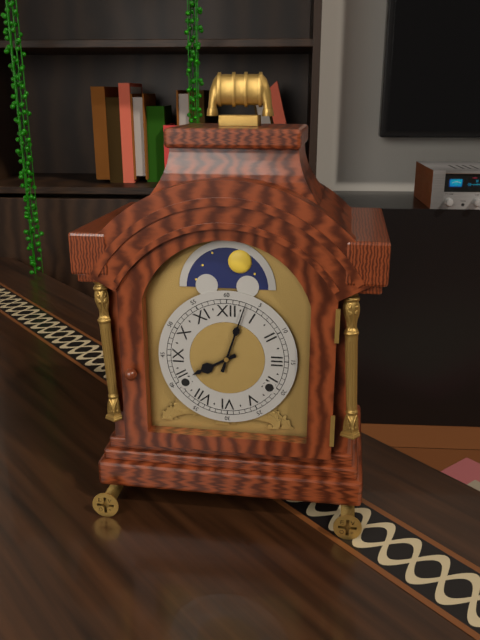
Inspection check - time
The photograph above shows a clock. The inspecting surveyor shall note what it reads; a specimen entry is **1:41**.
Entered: **8:03**
